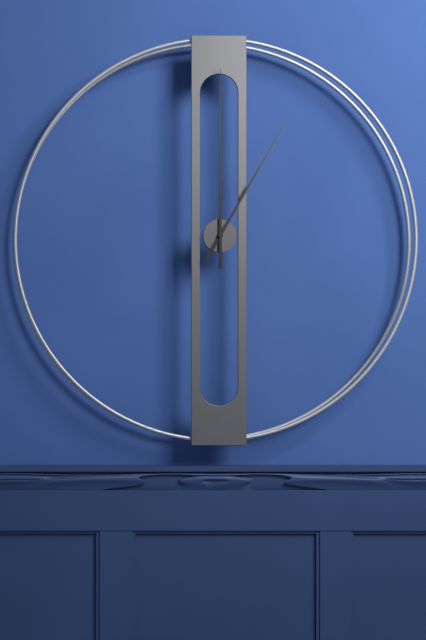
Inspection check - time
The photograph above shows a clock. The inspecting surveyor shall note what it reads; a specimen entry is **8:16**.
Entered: **1:00**
